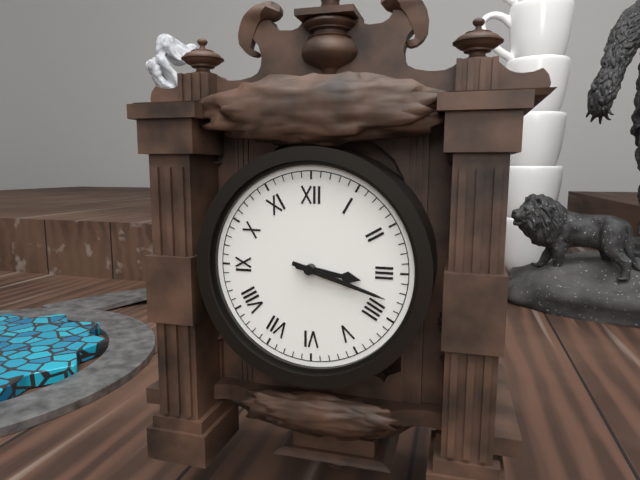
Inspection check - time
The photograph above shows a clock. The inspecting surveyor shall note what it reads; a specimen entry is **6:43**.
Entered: **3:18**
